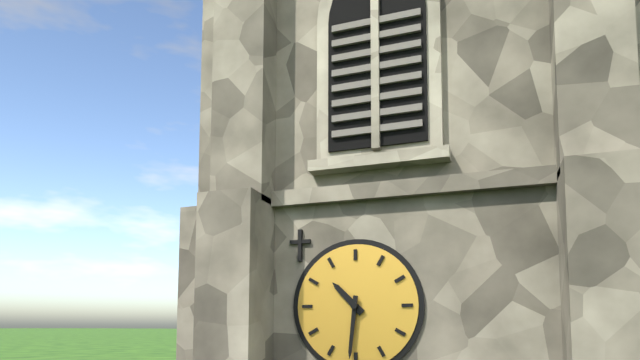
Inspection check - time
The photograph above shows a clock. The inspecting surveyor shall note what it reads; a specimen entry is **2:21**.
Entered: **10:31**
